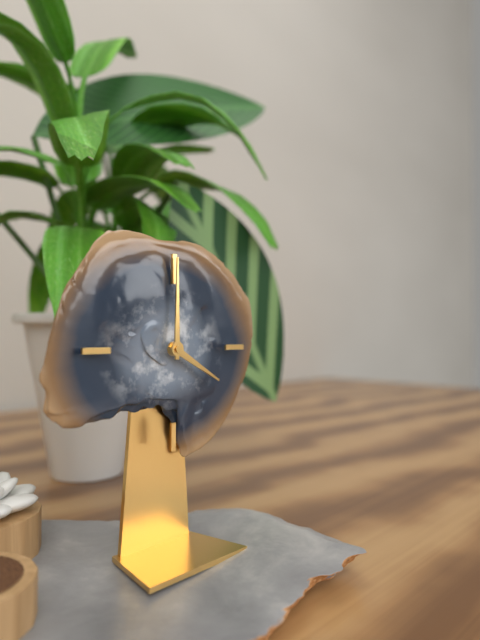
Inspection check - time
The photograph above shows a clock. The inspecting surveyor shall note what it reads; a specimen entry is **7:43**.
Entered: **4:00**
